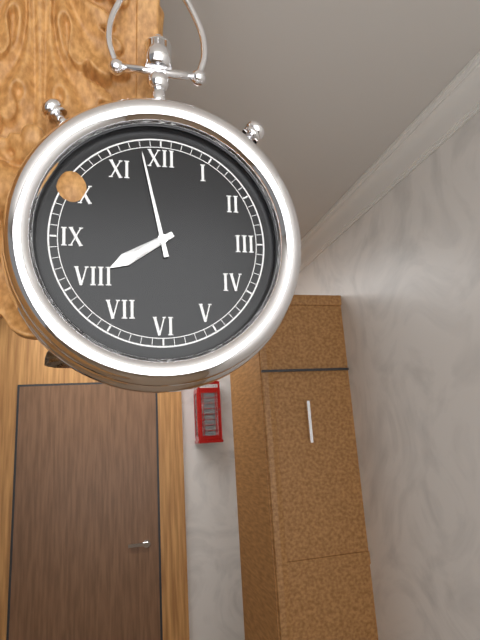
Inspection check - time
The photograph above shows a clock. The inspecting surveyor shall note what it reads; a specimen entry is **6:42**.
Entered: **7:58**
